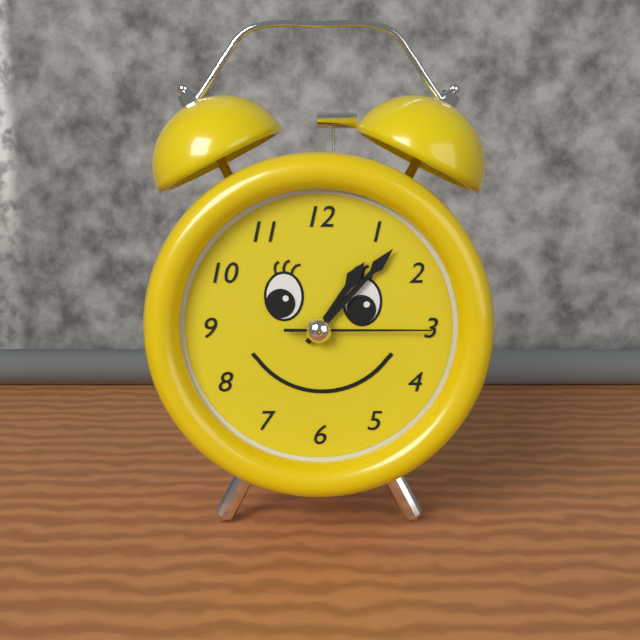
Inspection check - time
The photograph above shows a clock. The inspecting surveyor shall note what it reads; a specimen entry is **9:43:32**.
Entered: **1:07:15**
